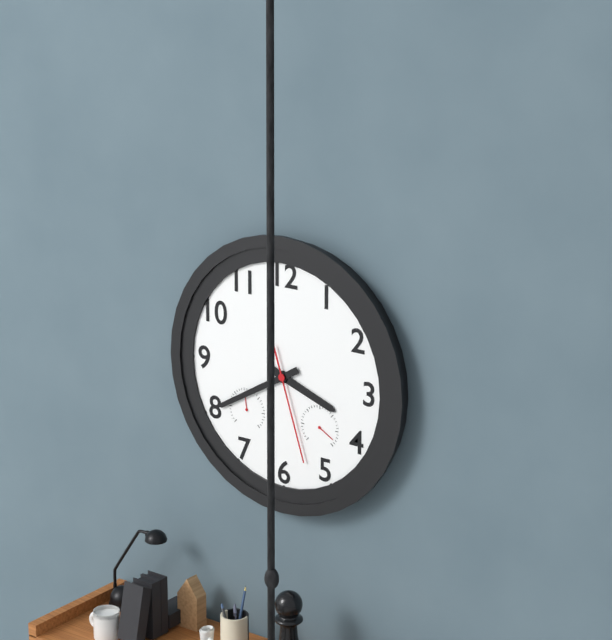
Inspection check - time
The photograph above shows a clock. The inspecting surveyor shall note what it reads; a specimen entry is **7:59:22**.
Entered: **3:40:27**
